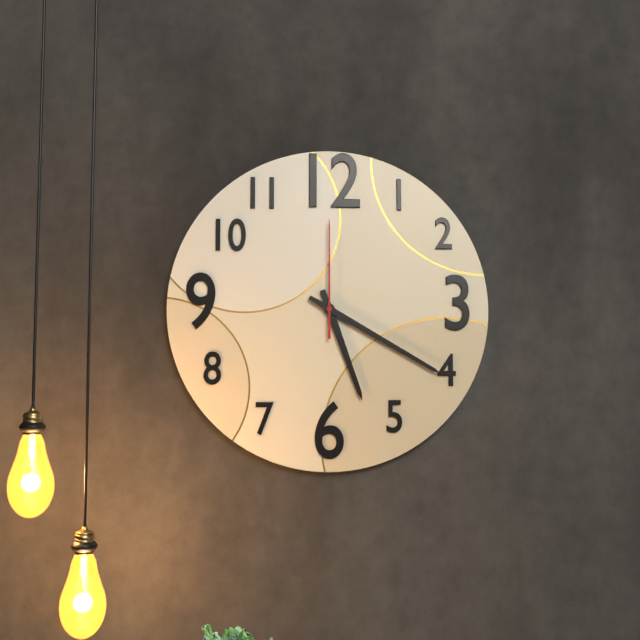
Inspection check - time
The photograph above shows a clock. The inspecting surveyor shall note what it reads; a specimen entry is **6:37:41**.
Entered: **5:20:00**
